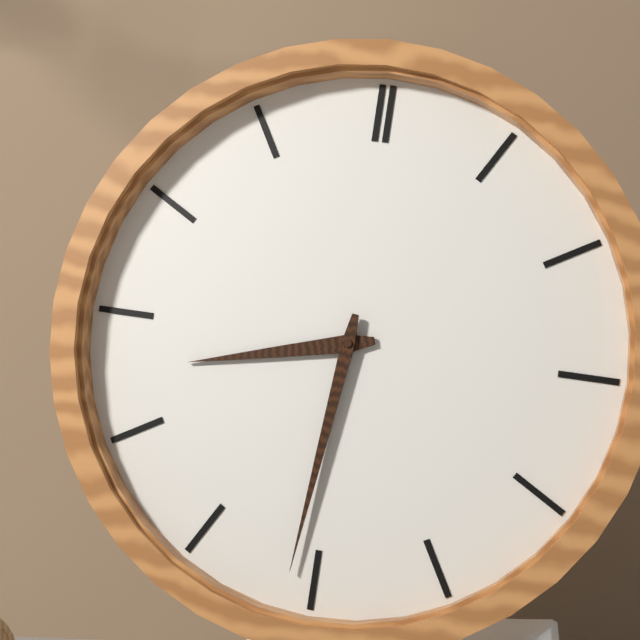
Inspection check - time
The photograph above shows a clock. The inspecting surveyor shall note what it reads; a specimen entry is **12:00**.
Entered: **8:31**
